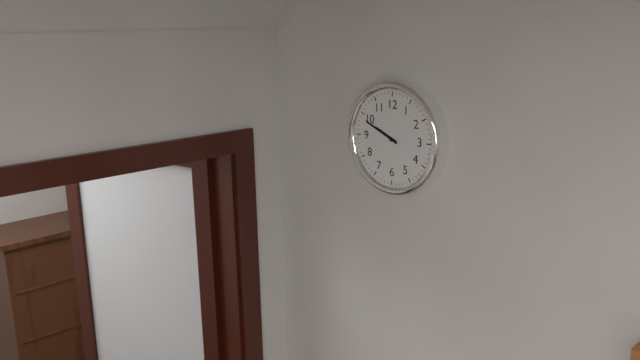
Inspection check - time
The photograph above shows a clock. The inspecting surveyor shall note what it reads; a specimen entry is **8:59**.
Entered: **9:49**
